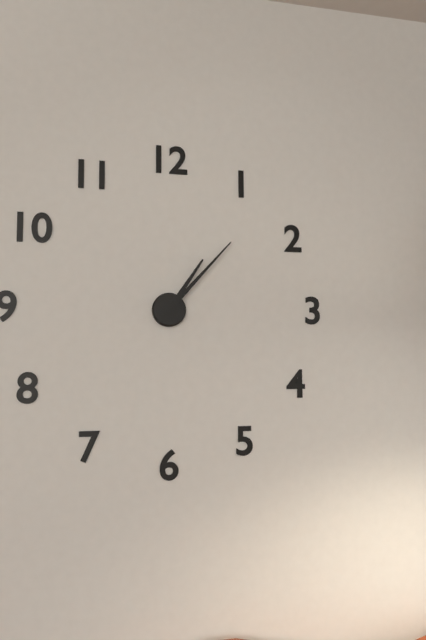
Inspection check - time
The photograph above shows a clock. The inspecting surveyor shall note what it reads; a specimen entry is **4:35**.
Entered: **1:07**
